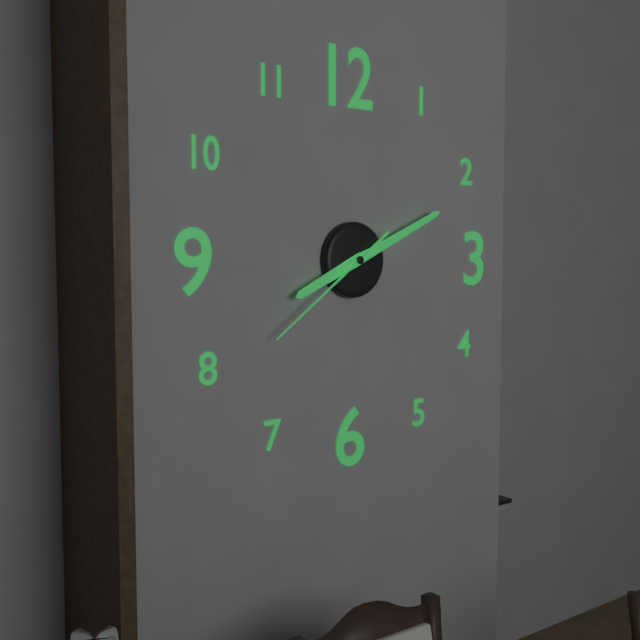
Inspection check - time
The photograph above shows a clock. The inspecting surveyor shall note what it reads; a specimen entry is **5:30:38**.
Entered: **8:11:39**
